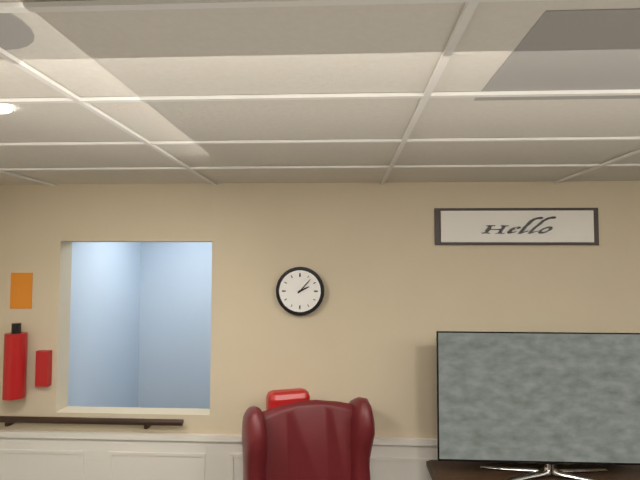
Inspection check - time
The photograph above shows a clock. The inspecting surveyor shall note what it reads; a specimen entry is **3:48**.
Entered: **2:07**
